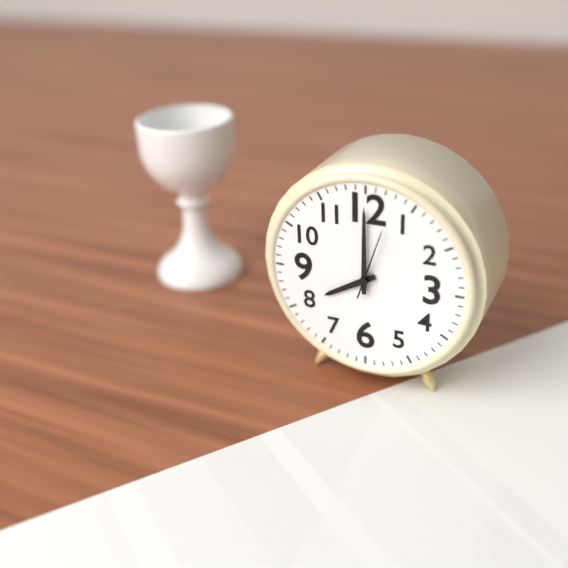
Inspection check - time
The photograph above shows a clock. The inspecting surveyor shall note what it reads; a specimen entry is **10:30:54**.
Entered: **8:00:03**
